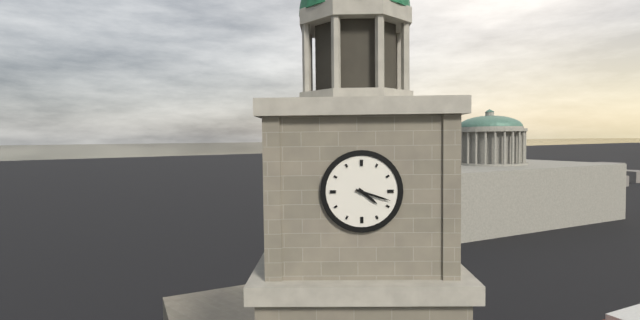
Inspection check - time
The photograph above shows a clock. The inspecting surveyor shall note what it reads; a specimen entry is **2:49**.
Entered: **4:18**
